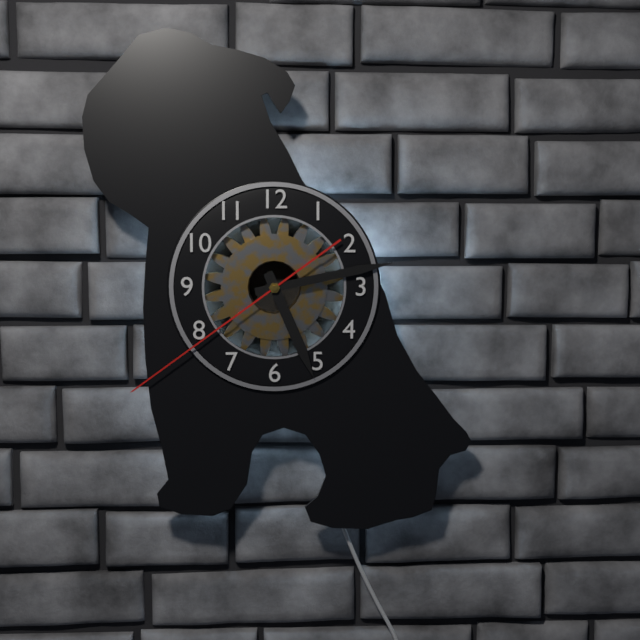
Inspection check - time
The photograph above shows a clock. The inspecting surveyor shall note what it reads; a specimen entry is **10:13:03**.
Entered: **5:13:39**
